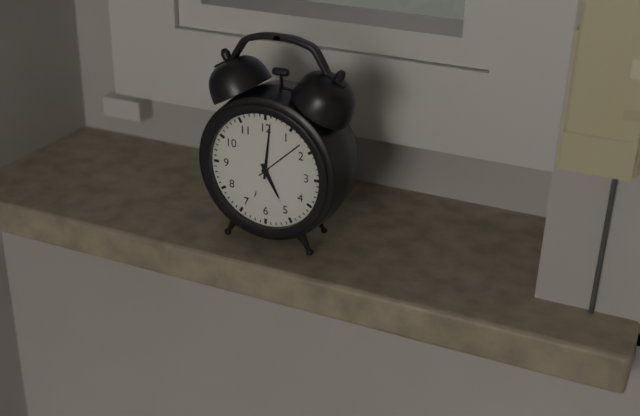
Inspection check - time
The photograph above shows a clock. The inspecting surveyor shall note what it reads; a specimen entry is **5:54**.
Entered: **5:01**
